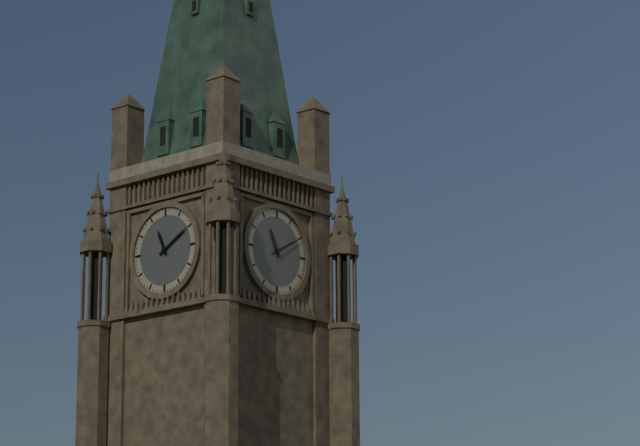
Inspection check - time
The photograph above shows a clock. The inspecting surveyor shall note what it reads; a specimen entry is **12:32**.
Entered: **11:10**
